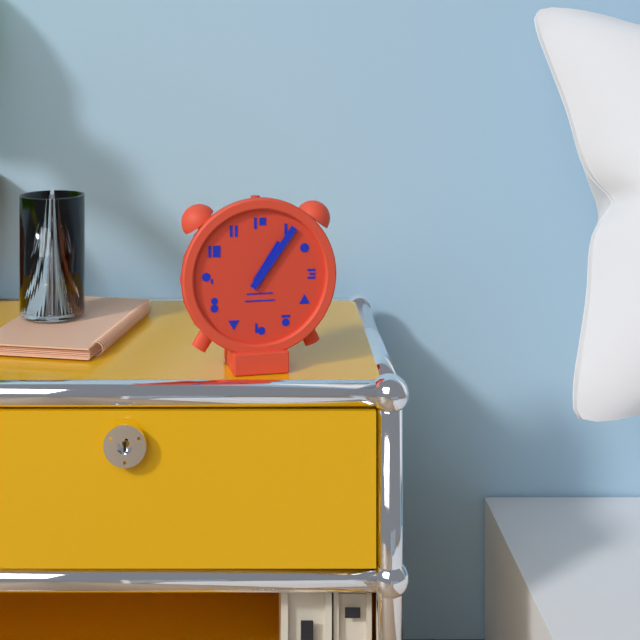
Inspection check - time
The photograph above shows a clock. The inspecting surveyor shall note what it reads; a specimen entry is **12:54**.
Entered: **1:06**
